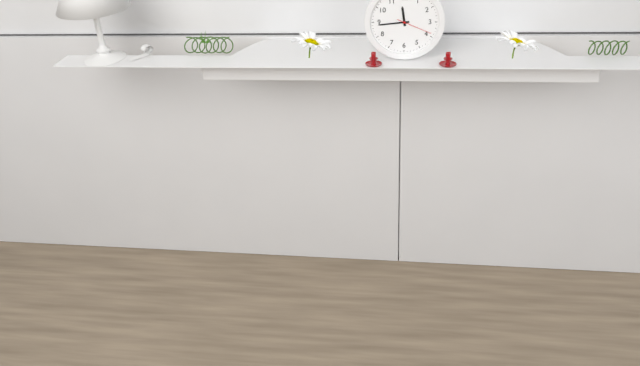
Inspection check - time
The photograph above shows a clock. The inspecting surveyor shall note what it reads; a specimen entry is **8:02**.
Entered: **11:44**
